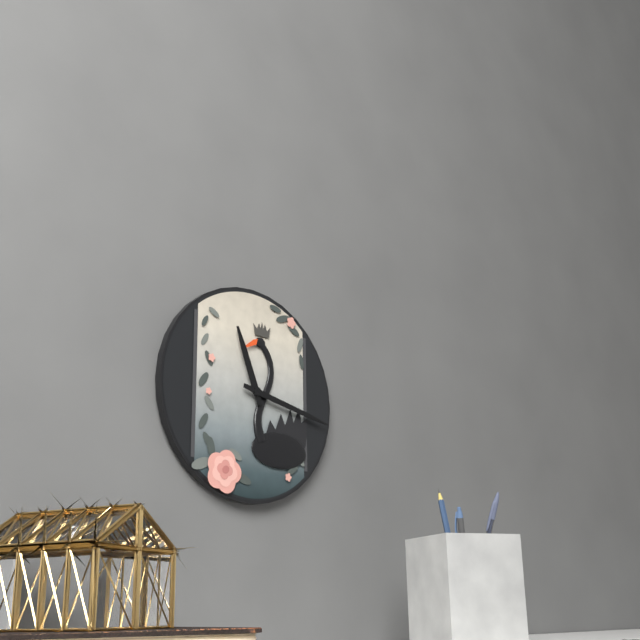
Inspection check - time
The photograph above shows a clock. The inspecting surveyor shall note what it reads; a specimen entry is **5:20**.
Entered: **11:17**
